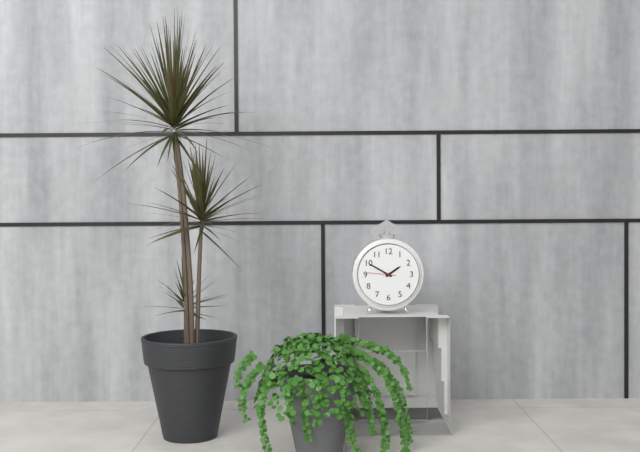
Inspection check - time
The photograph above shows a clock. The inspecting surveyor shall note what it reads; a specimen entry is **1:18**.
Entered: **1:50**
